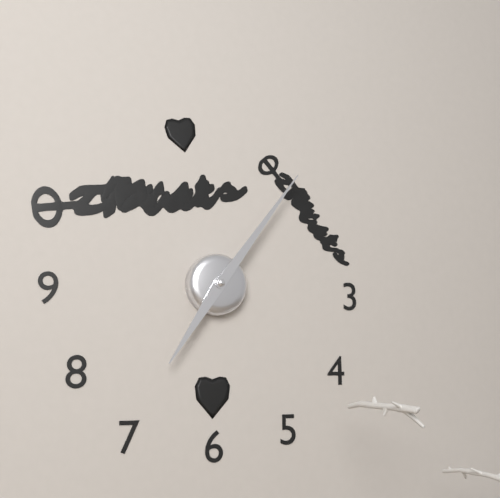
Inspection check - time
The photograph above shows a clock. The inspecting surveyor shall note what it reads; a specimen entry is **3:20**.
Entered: **7:06**
